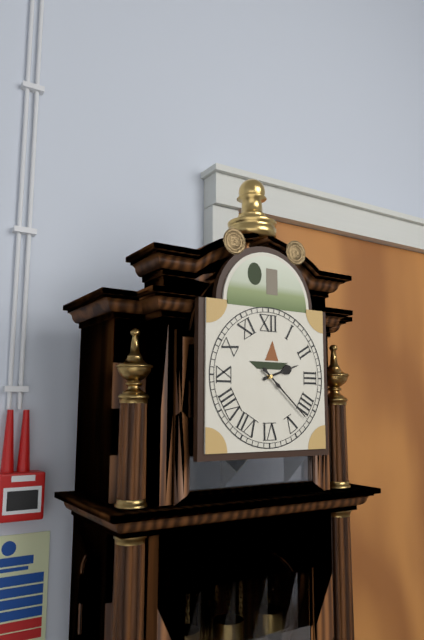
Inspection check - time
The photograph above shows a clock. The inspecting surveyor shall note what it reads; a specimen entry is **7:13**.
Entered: **2:22**
